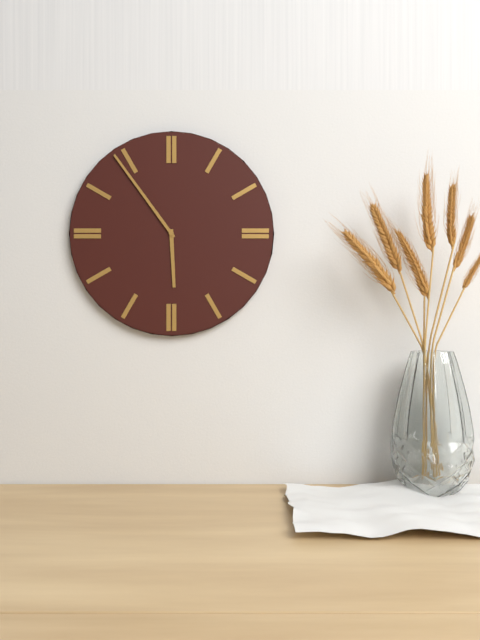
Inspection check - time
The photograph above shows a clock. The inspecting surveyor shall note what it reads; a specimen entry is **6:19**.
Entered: **5:54**
